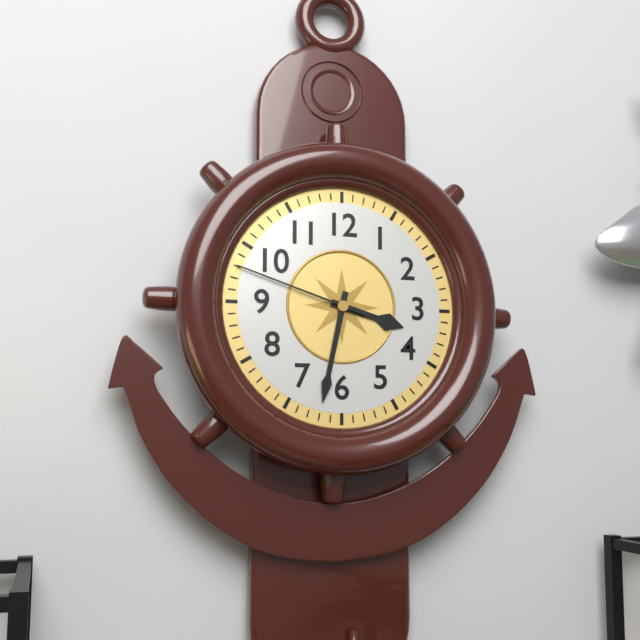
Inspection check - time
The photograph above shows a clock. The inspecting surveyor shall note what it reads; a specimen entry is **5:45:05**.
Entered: **3:32:48**
